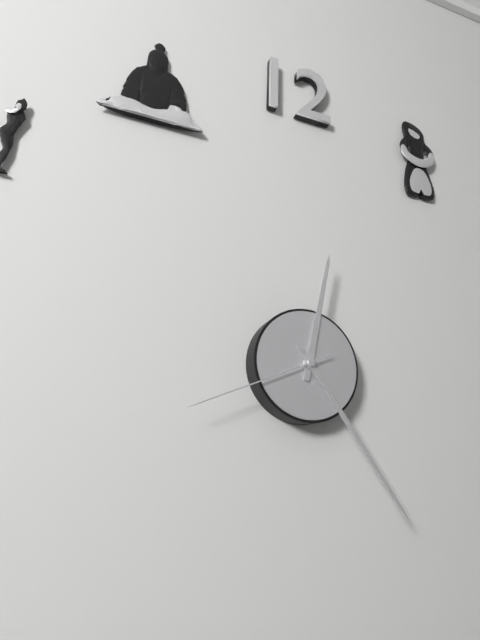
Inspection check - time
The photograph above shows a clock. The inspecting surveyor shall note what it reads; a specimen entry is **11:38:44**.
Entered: **12:24:41**
